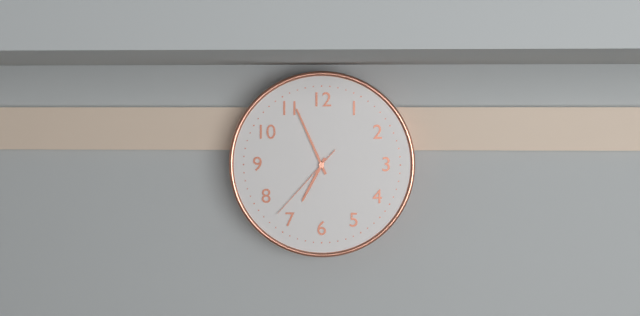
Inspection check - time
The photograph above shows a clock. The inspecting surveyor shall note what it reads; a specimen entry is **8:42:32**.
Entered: **6:56:37**
